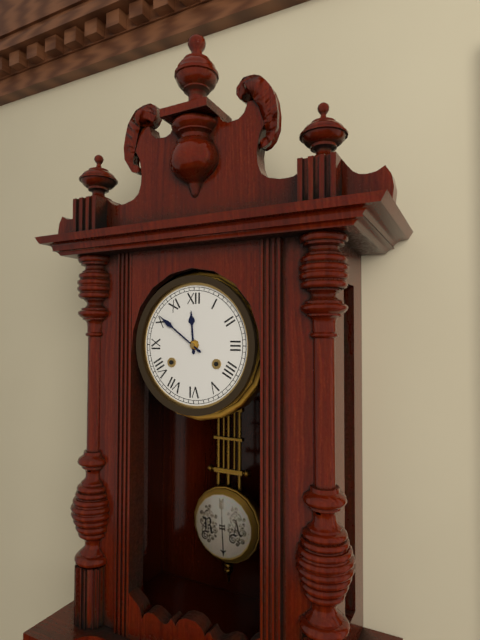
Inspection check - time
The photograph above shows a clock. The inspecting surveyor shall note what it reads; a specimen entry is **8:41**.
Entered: **11:51**
